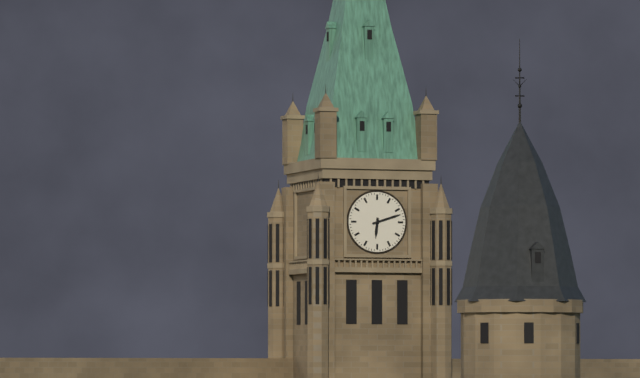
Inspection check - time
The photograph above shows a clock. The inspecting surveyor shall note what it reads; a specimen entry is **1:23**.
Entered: **6:12**
